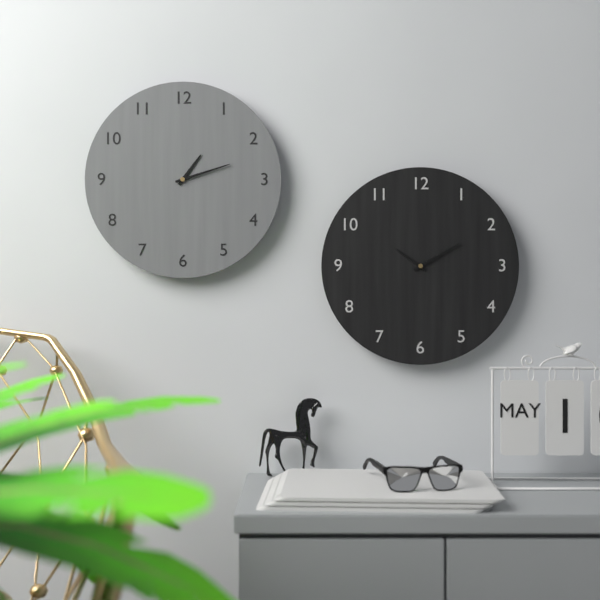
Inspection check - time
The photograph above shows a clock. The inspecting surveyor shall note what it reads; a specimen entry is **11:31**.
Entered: **1:12**
